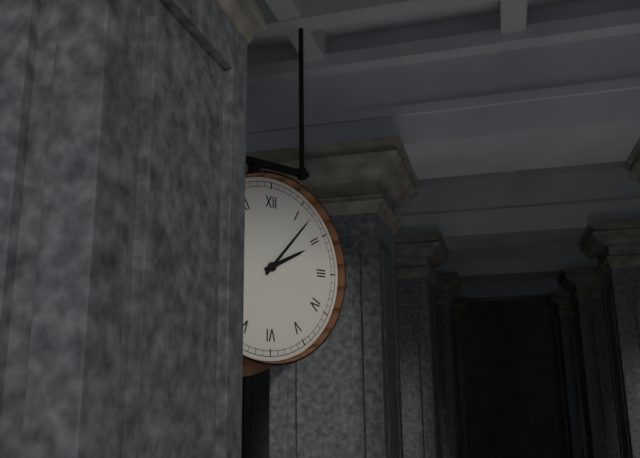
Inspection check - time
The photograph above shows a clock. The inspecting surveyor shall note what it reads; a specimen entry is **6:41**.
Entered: **2:07**
